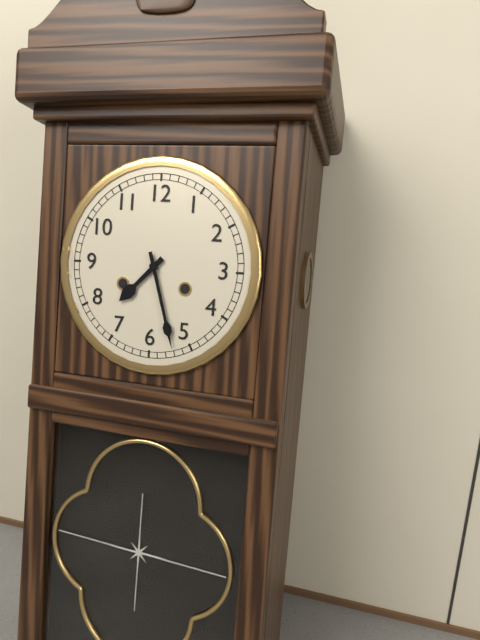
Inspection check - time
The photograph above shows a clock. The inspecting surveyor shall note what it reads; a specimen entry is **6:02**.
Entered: **7:27**
